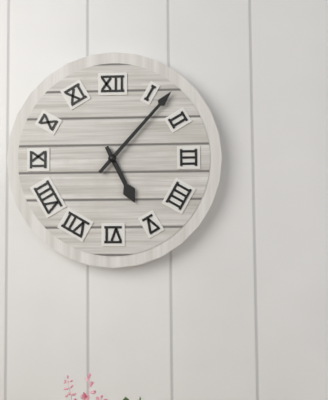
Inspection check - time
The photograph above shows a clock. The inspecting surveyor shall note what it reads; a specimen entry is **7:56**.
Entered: **5:07**
